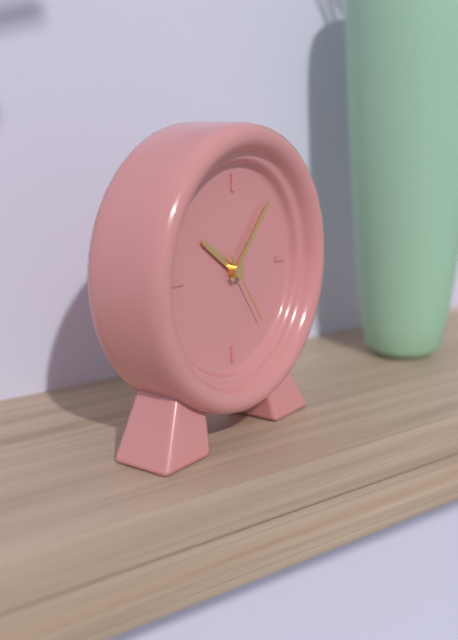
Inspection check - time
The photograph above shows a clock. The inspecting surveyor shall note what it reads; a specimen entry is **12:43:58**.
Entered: **10:07:24**
